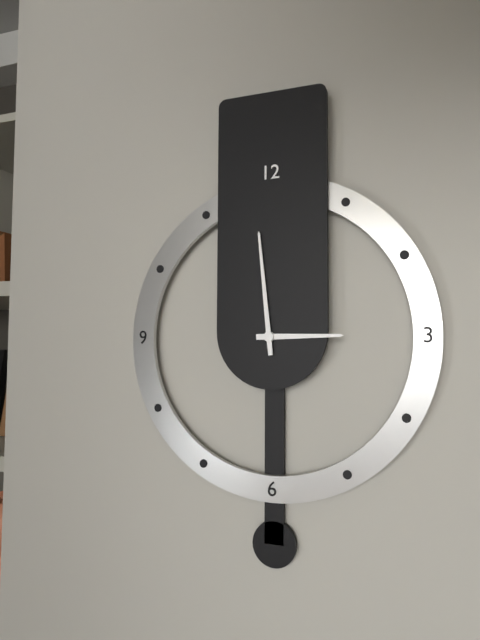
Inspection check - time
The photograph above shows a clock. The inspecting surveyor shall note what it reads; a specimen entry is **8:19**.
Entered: **2:59**
